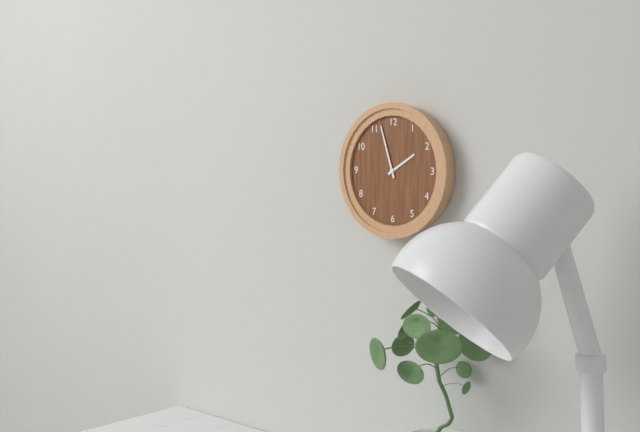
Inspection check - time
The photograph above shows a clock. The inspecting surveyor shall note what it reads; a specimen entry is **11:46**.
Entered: **1:57**
